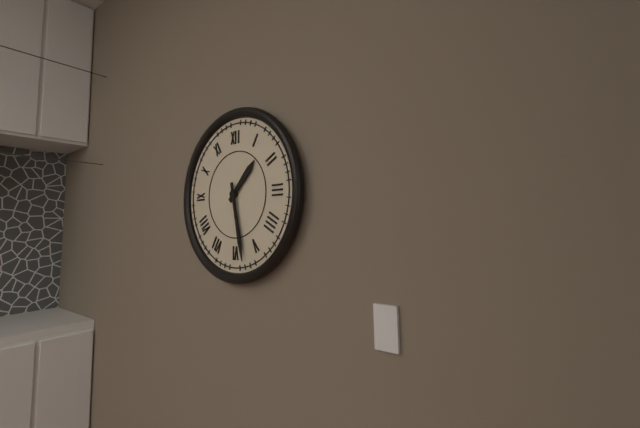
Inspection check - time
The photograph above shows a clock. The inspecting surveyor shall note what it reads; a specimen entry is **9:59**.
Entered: **1:28**
